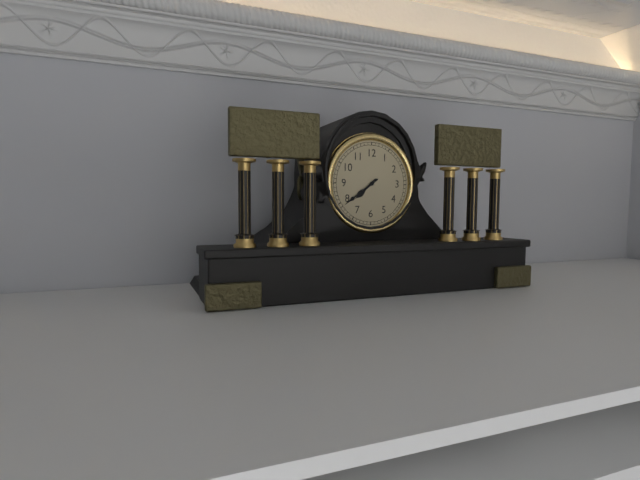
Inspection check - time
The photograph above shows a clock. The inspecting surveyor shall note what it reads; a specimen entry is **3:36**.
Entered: **7:39**
